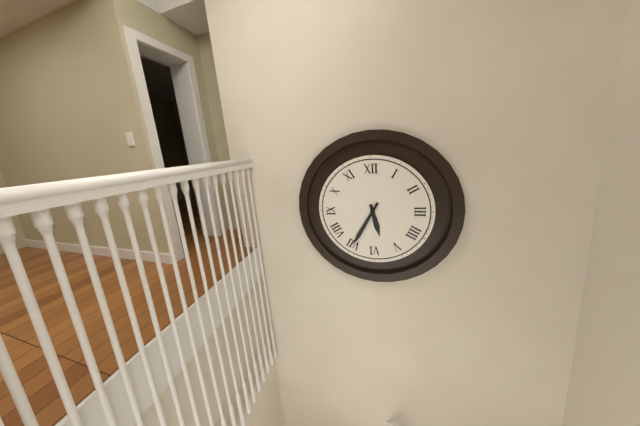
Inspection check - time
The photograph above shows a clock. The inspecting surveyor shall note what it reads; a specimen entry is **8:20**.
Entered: **5:35**
